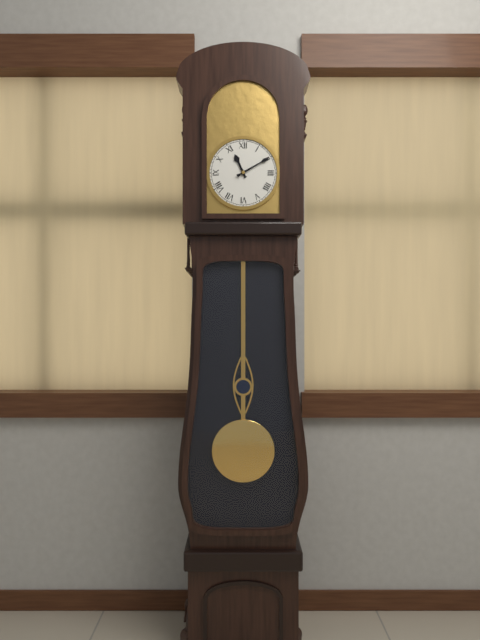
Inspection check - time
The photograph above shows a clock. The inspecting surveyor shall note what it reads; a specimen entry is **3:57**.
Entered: **11:10**
